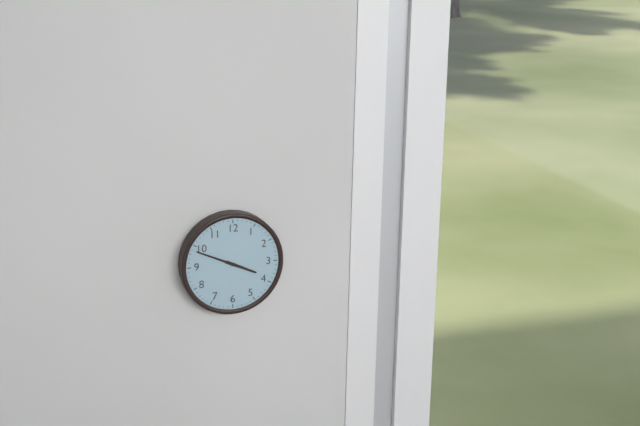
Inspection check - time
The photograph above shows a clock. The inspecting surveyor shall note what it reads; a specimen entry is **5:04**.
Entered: **3:49**
